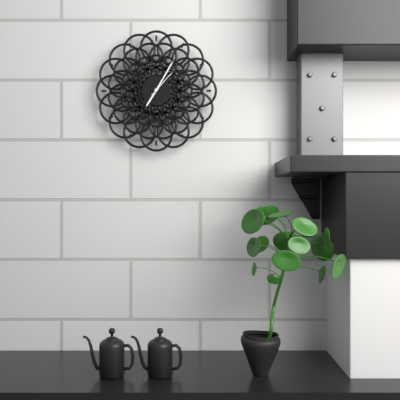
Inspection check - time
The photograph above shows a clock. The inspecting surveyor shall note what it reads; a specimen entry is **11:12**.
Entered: **7:05**
